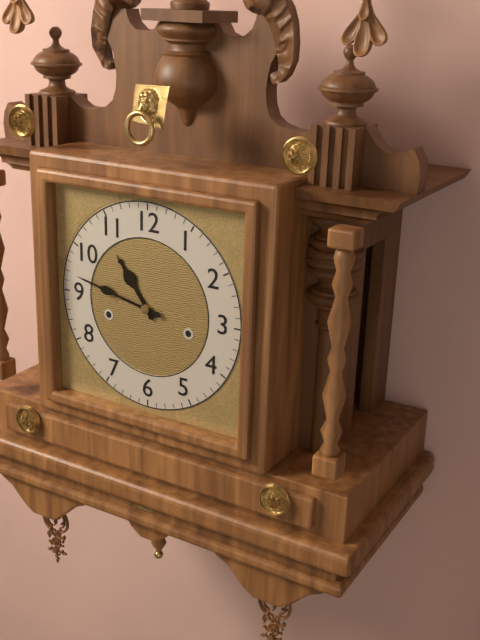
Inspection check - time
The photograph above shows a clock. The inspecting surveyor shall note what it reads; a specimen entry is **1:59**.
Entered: **10:47**
